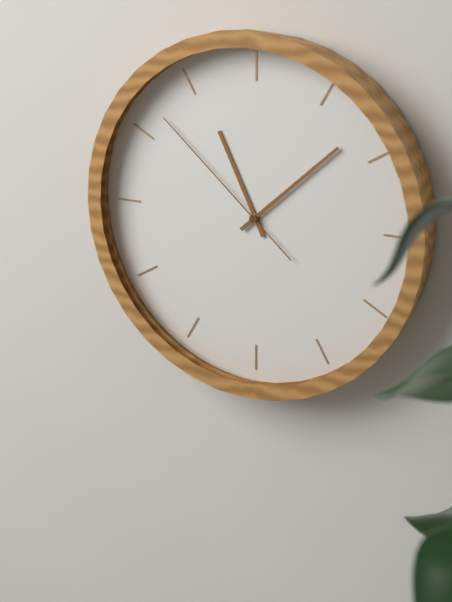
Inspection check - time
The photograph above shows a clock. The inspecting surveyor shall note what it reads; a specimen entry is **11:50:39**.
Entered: **11:08:52**
